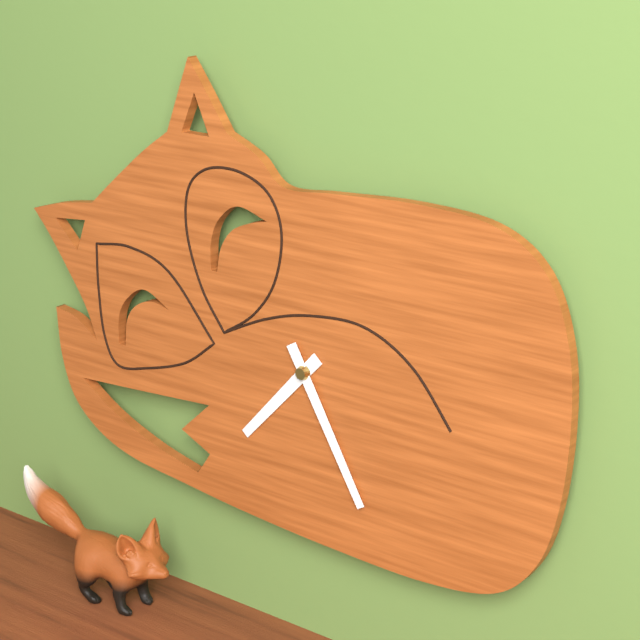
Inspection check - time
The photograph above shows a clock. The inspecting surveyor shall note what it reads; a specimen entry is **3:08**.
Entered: **7:25**
